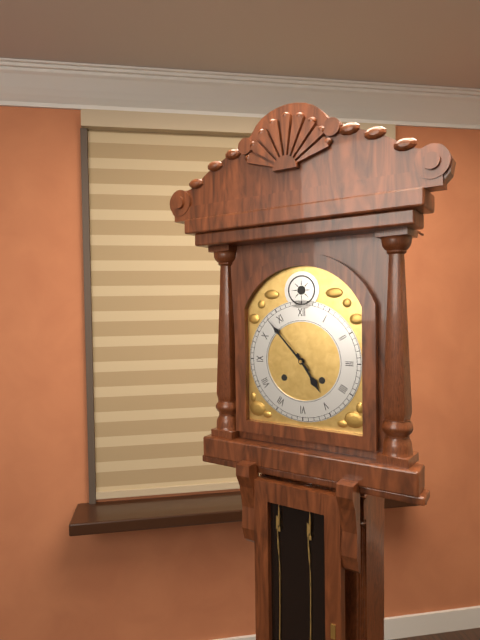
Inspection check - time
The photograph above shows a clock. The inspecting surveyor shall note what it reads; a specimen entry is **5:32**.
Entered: **4:53**
